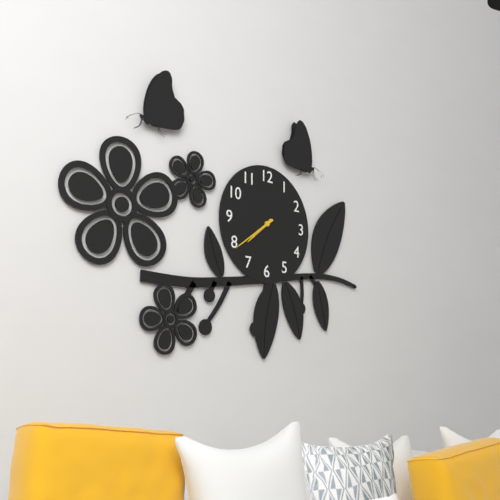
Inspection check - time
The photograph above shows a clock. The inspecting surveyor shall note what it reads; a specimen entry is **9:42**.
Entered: **7:39**
